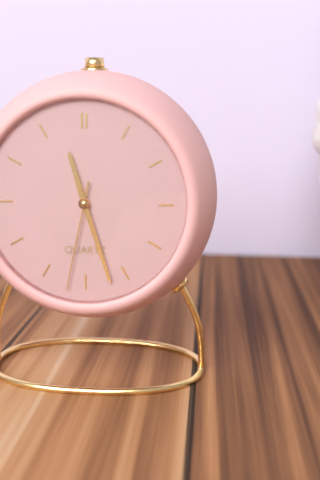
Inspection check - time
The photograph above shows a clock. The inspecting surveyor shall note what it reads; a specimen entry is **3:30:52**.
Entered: **11:27:32**
